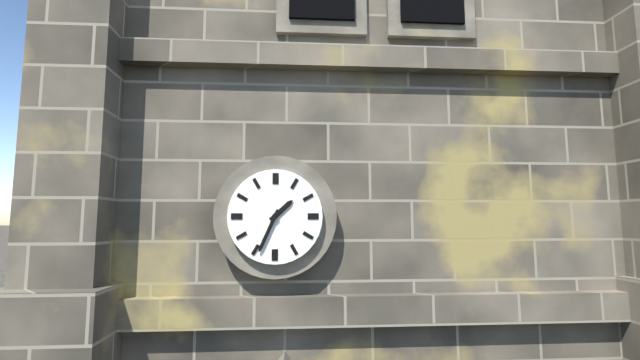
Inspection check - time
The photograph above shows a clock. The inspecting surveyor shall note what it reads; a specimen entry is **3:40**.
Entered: **1:34**
